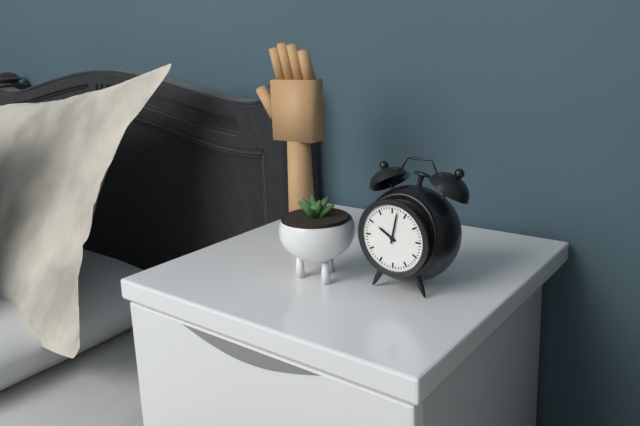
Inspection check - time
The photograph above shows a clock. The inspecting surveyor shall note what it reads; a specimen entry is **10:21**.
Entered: **10:02**
